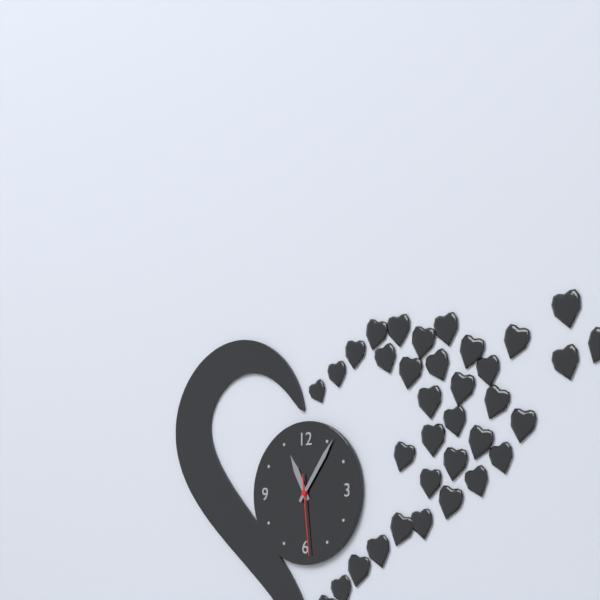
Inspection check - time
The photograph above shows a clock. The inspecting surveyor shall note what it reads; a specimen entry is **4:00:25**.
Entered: **11:06:29**
